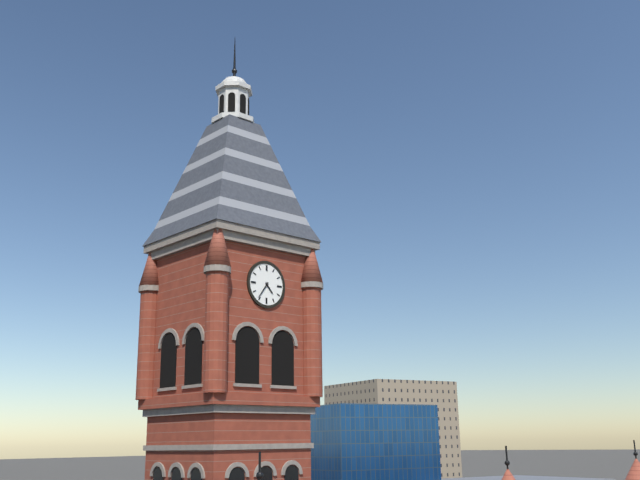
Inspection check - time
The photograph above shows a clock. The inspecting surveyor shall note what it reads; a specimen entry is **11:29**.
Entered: **4:36**
